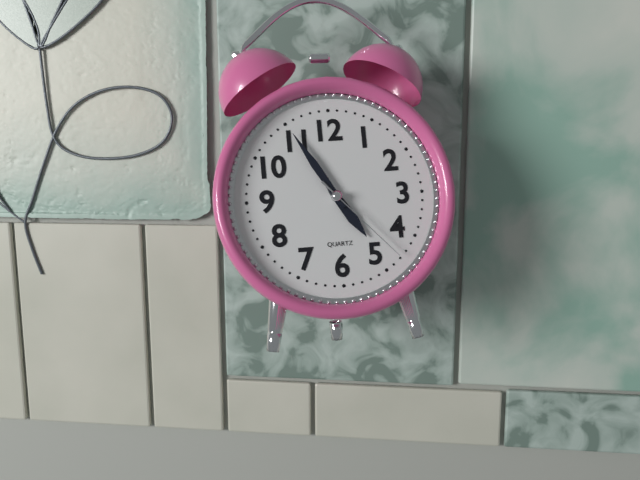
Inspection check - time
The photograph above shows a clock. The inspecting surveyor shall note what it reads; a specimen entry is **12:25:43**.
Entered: **4:55:23**
